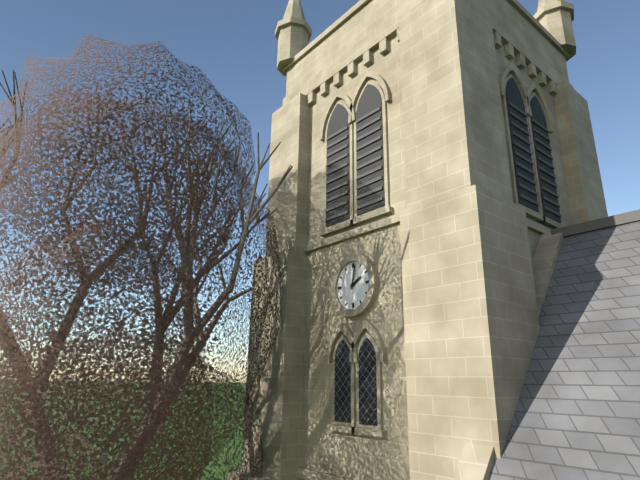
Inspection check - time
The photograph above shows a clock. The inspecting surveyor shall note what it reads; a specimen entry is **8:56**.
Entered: **2:02**
